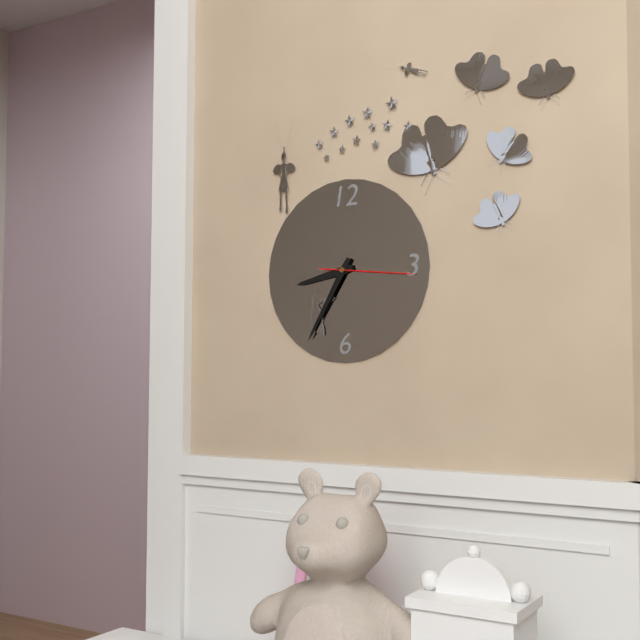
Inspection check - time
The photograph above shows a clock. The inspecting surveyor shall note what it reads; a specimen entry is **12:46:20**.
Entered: **8:35:16**
